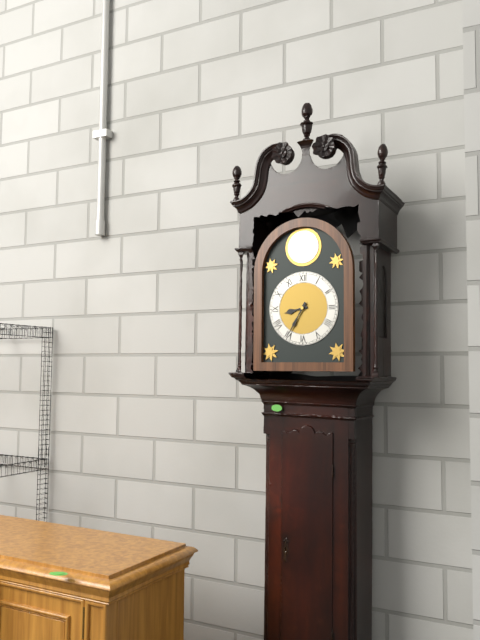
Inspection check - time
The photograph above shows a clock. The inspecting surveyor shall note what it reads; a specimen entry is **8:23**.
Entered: **8:35**
